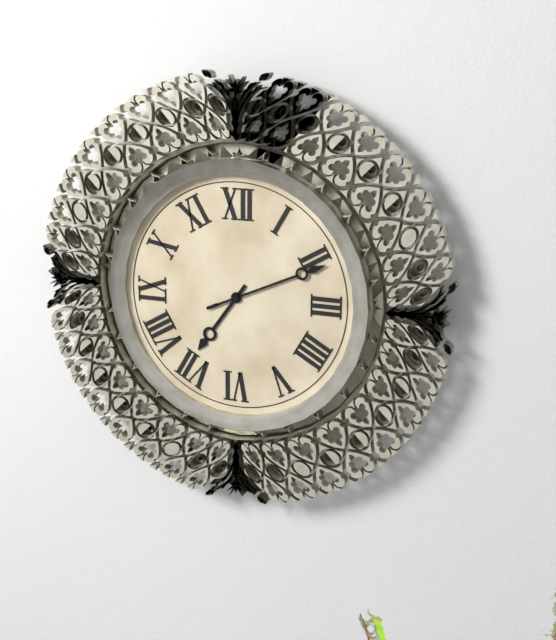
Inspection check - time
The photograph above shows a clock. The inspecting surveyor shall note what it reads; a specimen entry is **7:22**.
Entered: **7:11**
